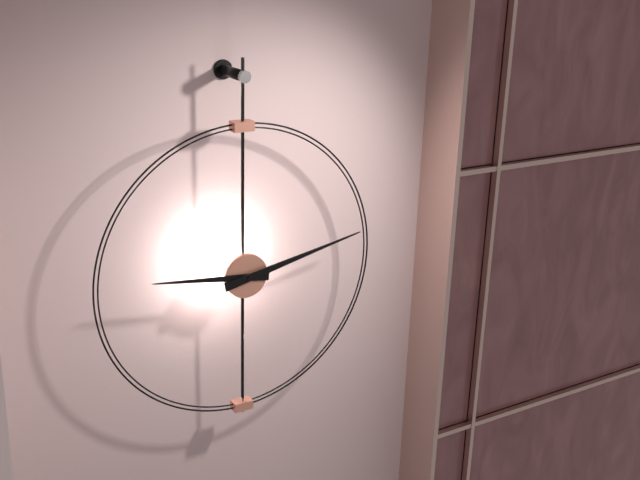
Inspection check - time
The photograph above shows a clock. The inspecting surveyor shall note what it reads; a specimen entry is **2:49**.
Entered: **9:13**
